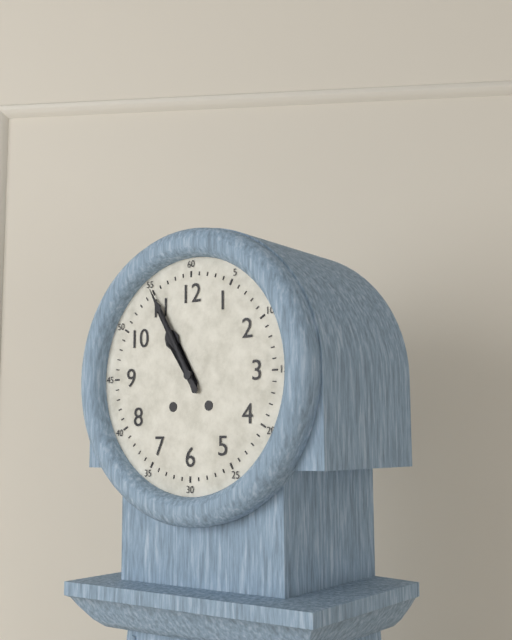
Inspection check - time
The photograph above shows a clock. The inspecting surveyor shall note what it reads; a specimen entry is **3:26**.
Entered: **10:55**
